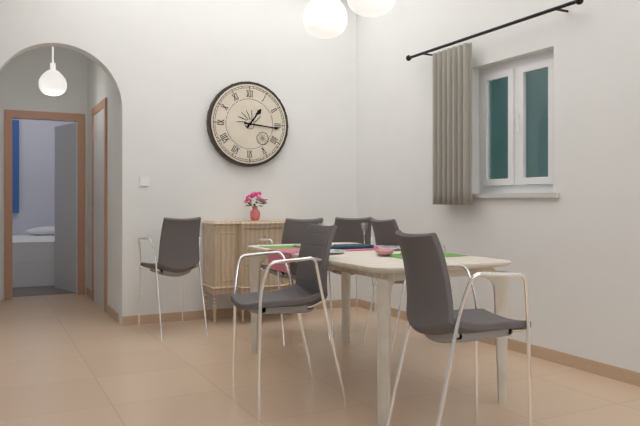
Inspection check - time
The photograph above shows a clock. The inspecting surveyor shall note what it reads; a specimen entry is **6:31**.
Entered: **1:16**
